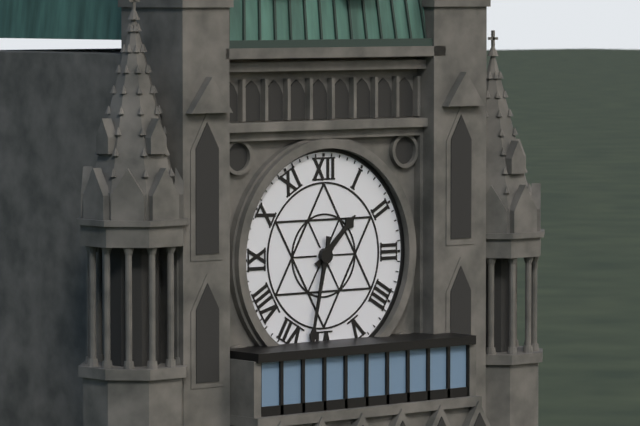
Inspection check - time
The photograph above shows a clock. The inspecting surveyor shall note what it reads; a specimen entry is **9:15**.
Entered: **1:32**
